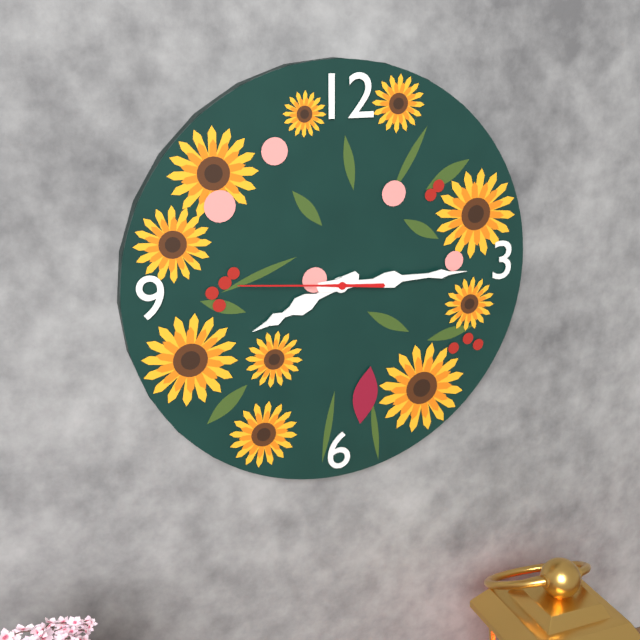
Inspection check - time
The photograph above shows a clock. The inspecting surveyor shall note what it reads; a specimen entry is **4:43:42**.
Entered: **8:15:46**
